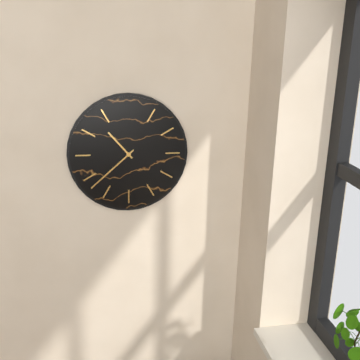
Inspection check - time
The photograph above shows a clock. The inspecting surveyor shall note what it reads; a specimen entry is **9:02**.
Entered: **10:38**
